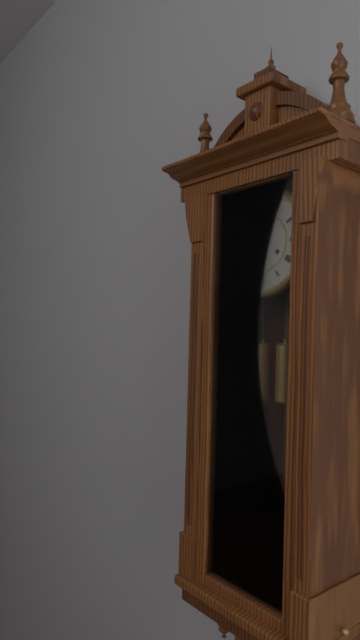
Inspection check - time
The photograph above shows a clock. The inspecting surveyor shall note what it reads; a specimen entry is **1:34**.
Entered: **8:30**
